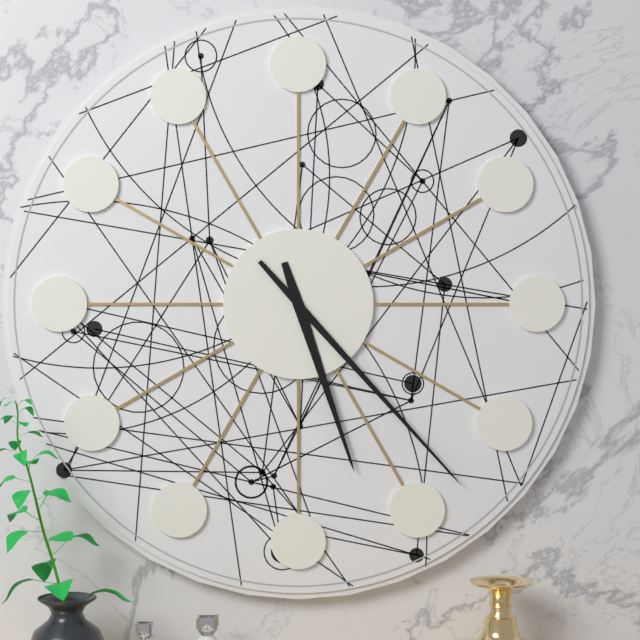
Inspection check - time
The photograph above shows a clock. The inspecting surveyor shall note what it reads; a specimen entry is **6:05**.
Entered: **5:23**
